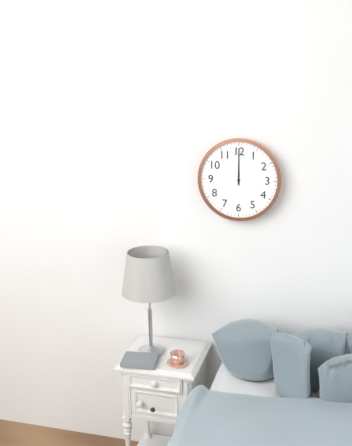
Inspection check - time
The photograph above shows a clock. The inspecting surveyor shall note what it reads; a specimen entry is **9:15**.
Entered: **12:00**
